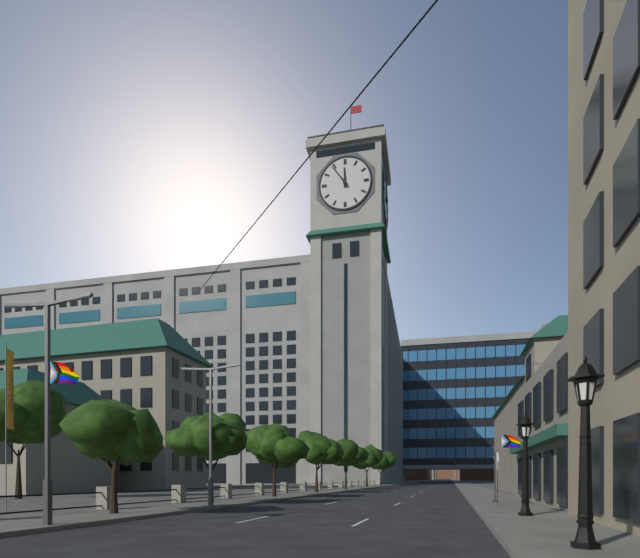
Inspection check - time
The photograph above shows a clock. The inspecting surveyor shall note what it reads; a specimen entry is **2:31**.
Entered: **11:54**
